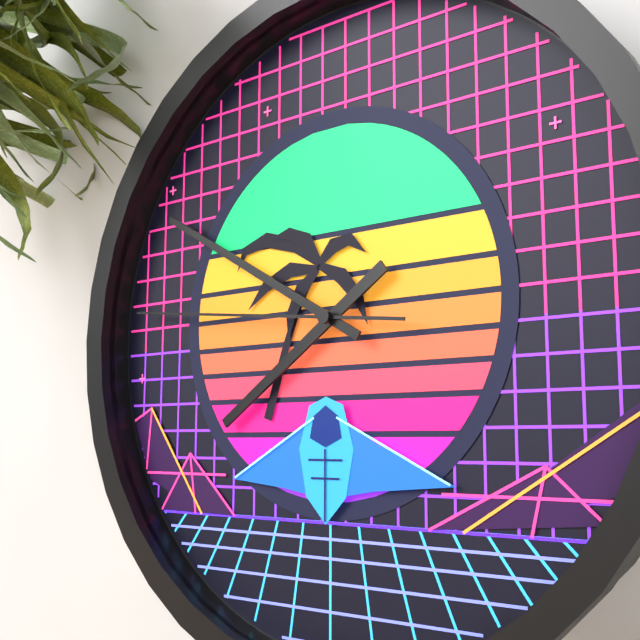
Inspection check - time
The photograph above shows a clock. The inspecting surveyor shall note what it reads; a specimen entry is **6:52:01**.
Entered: **7:50:46**
